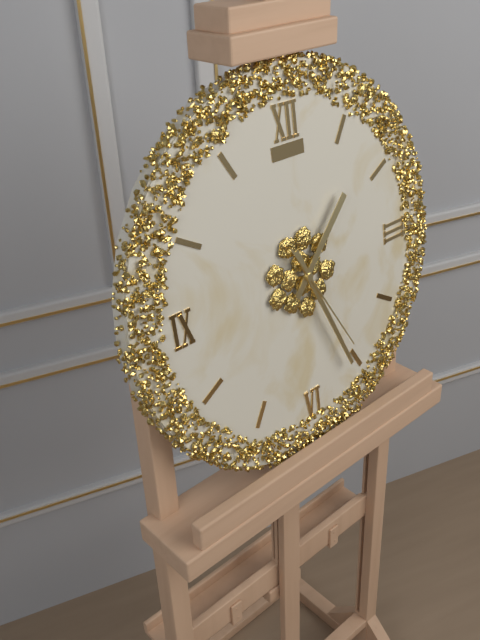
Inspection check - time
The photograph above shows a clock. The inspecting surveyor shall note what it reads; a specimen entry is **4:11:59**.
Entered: **1:26:25**
